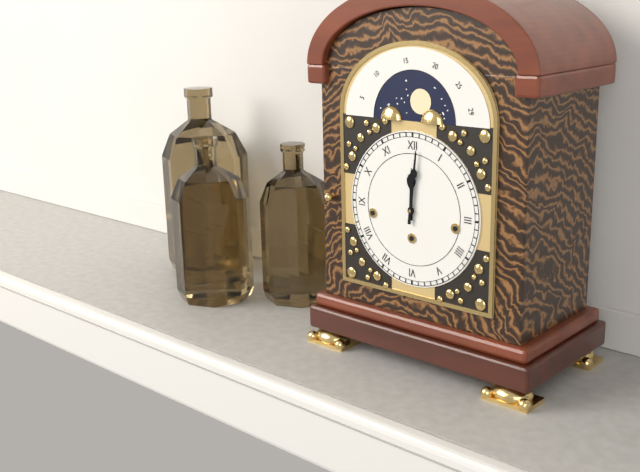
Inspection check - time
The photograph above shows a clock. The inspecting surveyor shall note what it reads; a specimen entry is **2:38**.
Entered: **12:01**
